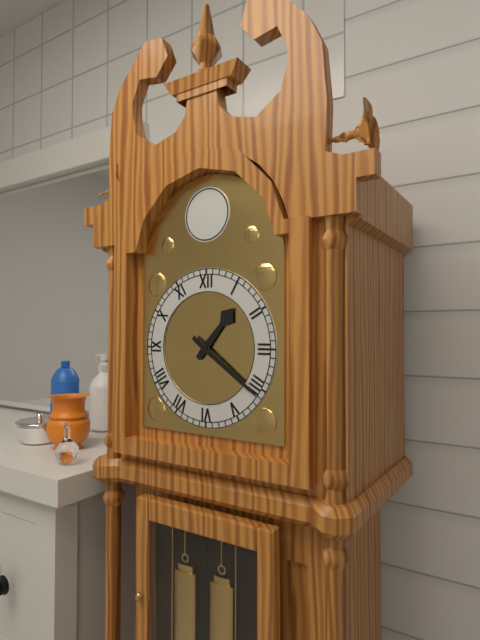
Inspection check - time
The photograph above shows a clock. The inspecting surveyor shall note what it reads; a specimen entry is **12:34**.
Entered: **1:21**
